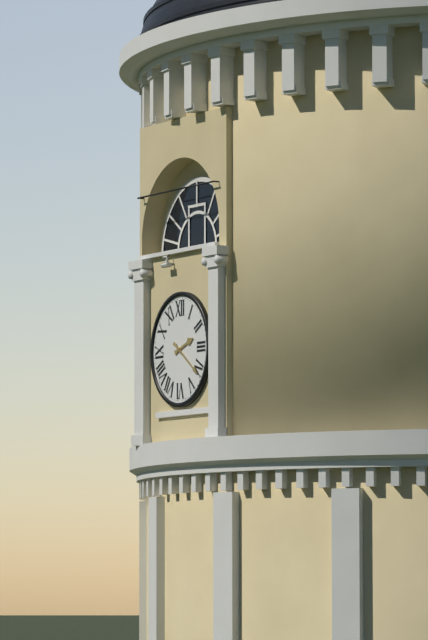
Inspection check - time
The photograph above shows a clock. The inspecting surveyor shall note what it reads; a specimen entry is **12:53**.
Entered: **2:21**
